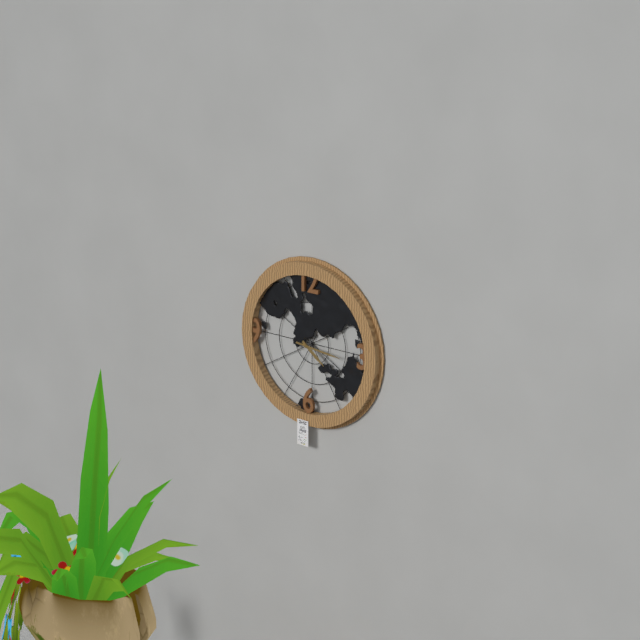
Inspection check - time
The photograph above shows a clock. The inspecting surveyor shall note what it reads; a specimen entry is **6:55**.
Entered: **4:16**
